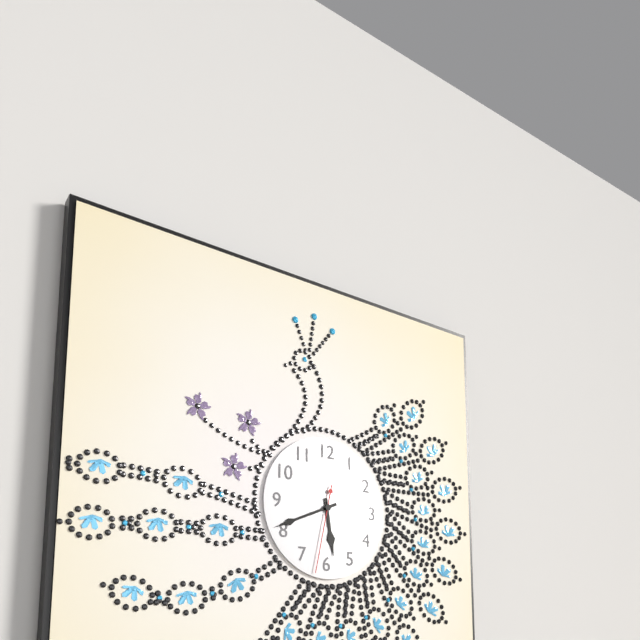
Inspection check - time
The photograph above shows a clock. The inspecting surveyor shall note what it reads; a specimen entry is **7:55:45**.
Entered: **5:41:32**
